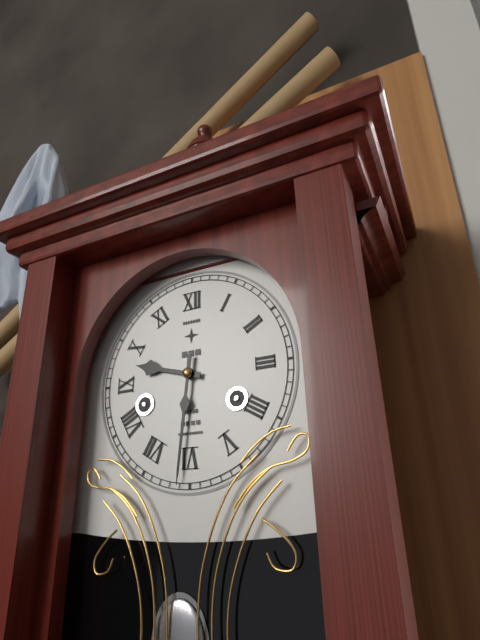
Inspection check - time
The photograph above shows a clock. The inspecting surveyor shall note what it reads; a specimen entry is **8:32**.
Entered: **9:31**
